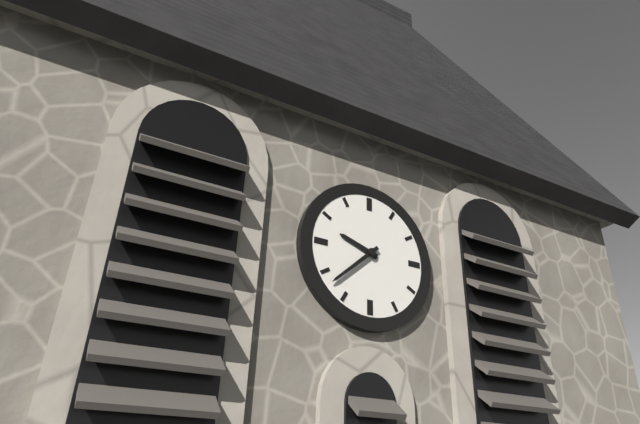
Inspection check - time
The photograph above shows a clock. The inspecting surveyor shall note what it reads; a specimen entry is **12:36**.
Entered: **9:38**
